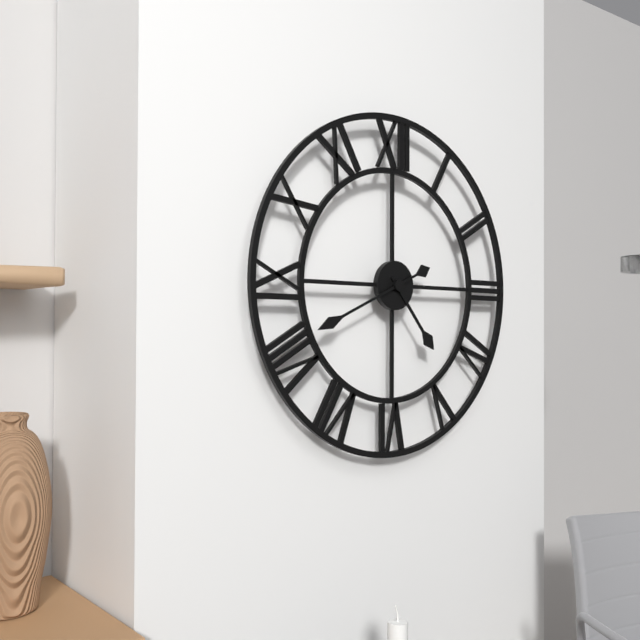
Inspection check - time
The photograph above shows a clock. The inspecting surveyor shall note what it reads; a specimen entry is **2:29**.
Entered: **4:41**
